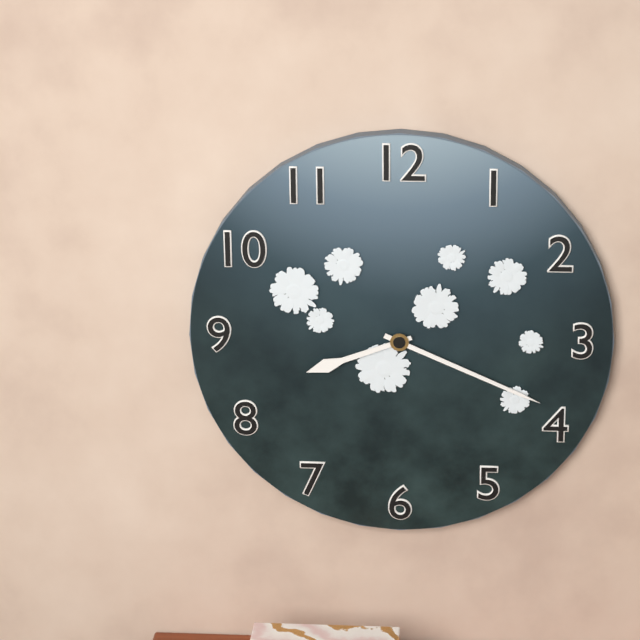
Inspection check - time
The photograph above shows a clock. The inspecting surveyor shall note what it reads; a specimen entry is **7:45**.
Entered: **8:19**
